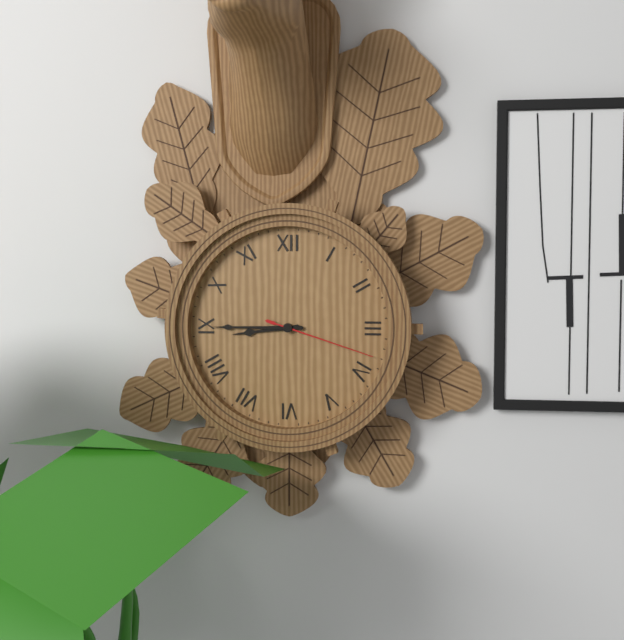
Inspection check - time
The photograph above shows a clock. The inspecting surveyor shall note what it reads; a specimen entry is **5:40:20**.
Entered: **8:45:18**
